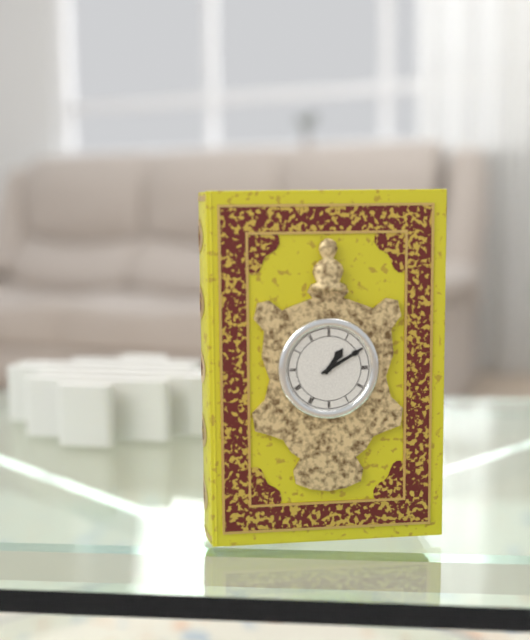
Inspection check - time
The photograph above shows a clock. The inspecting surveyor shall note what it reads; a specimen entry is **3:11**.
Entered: **1:10**
